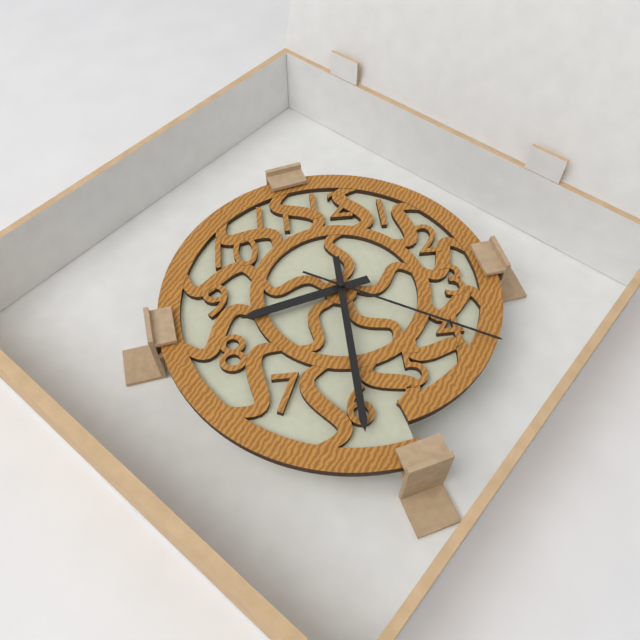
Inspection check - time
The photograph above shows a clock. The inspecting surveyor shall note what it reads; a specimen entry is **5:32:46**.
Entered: **8:30:20**
